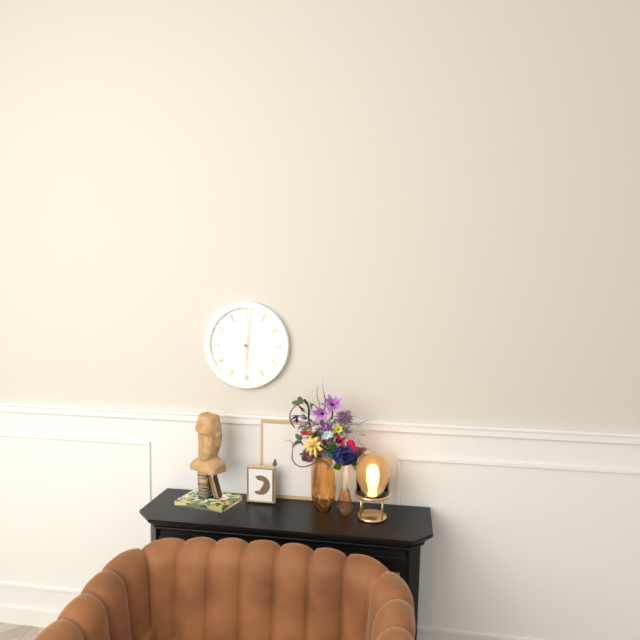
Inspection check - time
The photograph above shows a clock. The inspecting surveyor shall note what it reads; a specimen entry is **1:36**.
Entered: **6:01**
